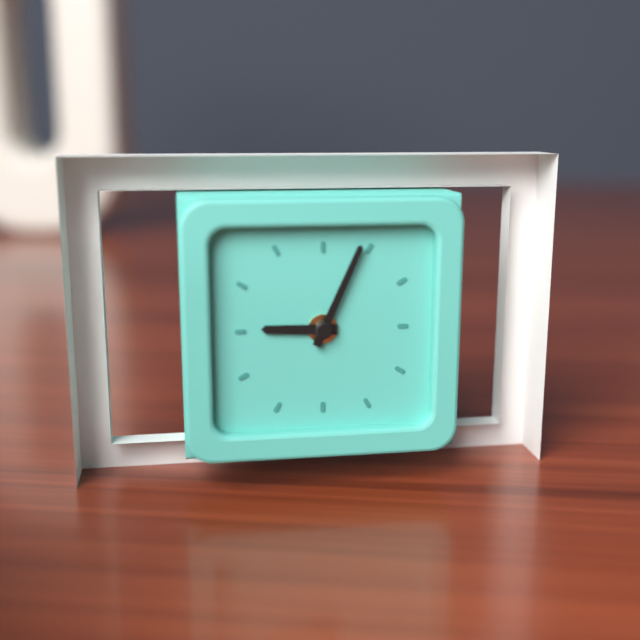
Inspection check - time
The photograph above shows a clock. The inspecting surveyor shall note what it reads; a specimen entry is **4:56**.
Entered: **9:04**
